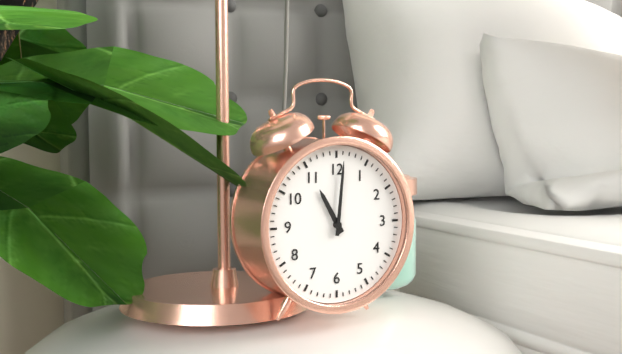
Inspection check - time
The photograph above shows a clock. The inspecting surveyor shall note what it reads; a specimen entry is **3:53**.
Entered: **11:01**
